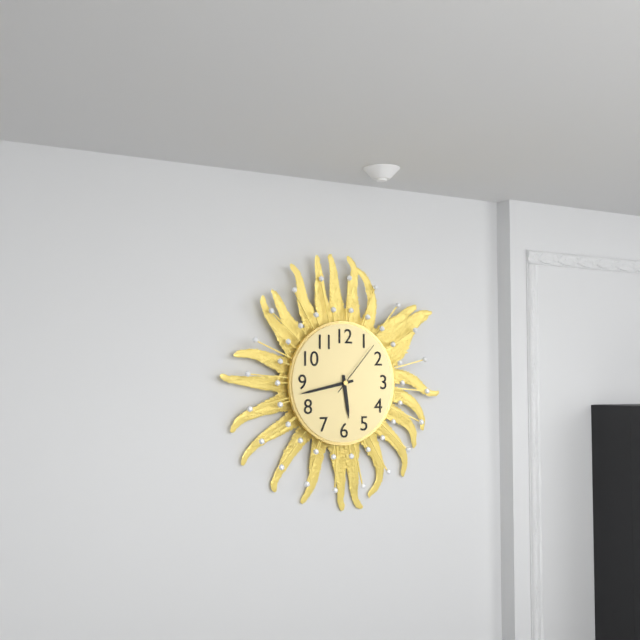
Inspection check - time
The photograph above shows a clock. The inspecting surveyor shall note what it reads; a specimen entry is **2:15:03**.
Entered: **5:43:07**
